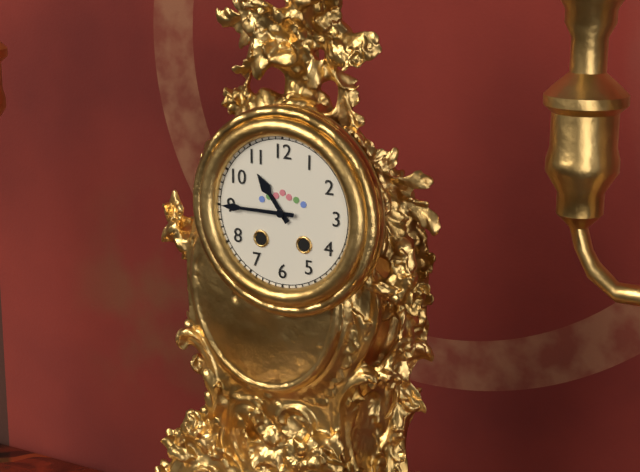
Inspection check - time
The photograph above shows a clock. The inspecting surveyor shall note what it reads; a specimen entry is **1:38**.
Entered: **10:45**
